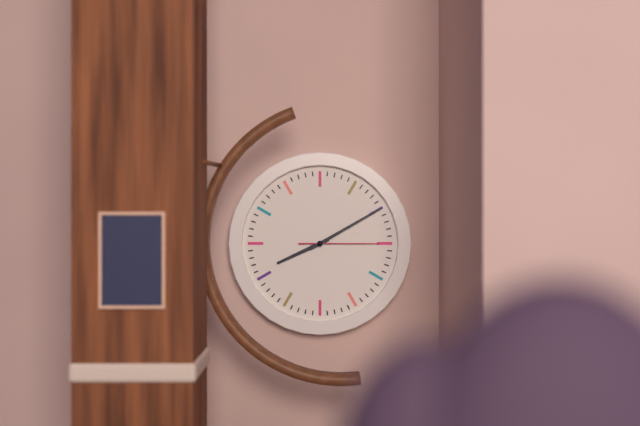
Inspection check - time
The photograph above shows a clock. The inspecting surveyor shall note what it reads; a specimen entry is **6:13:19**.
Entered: **8:10:15**
